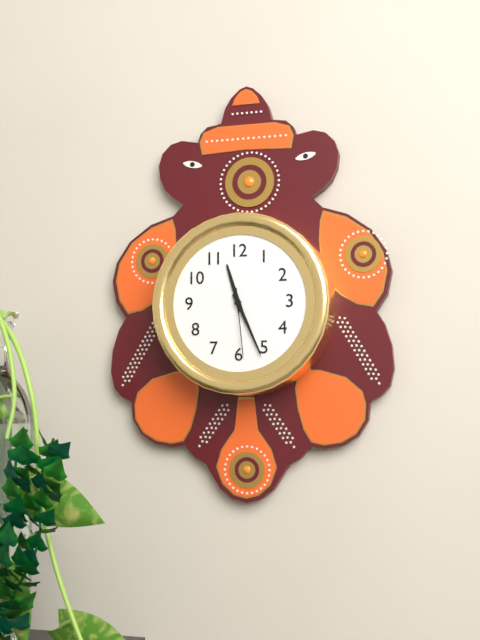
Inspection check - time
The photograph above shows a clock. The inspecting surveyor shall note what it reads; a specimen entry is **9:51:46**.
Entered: **11:26:29**
